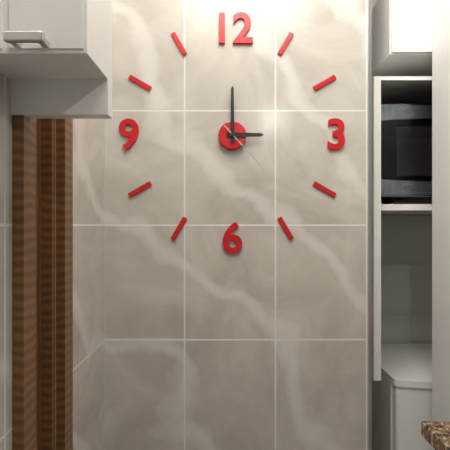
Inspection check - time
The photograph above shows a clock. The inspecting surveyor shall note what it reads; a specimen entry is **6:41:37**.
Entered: **3:00:23**
